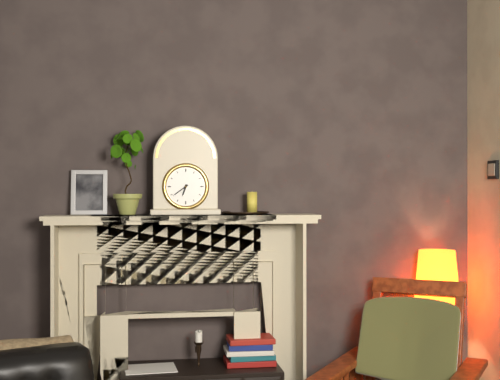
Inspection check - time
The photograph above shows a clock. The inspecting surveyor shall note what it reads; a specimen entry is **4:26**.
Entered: **6:39**
